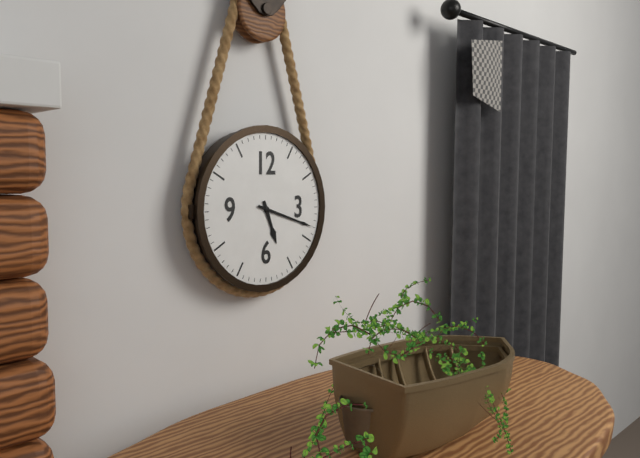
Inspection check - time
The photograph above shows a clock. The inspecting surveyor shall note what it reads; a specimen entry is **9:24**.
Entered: **5:18**
